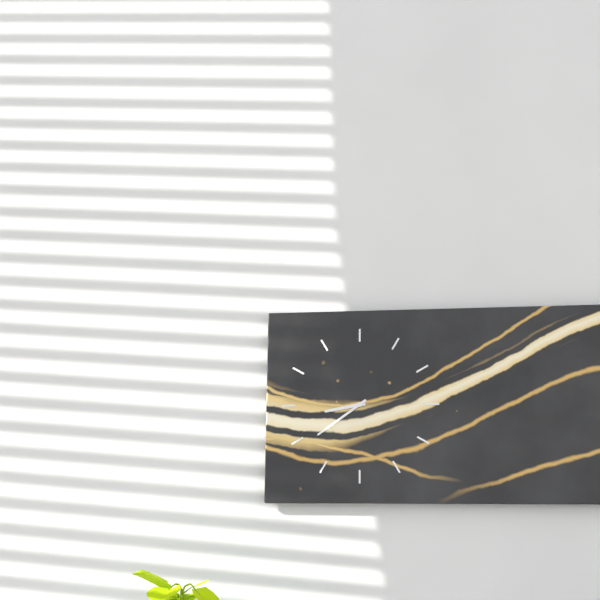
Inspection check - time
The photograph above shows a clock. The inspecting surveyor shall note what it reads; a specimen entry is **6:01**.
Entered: **8:39**
